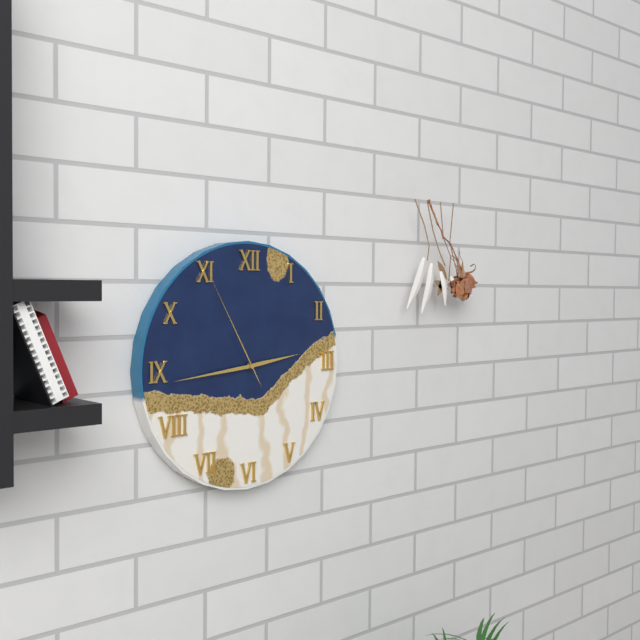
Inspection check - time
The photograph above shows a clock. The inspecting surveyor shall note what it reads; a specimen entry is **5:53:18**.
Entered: **2:44:55**
